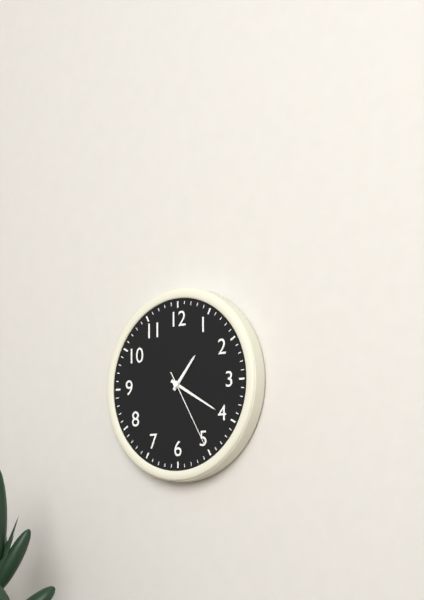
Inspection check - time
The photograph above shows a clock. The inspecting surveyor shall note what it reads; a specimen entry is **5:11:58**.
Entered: **1:20:25**
